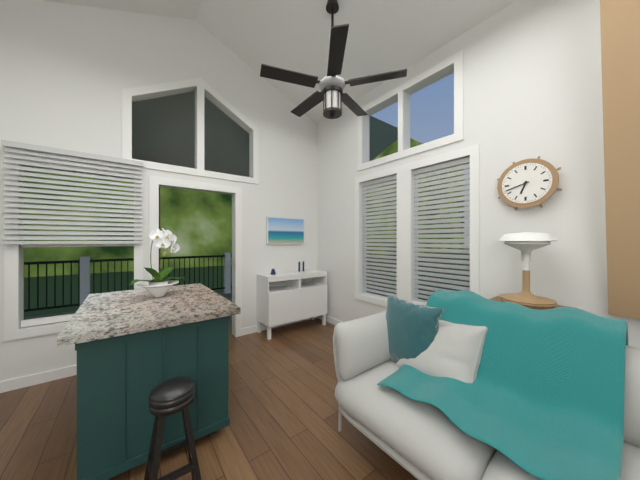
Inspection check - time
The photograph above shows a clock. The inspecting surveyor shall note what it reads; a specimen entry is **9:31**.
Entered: **6:42**
